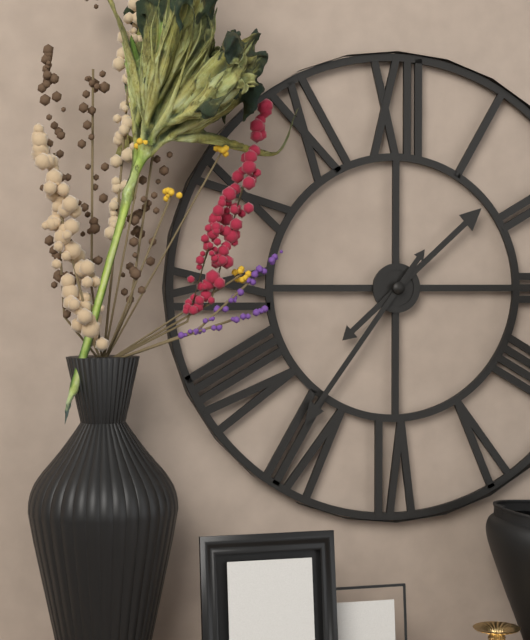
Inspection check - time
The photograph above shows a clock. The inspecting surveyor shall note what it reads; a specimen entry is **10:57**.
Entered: **1:36**
